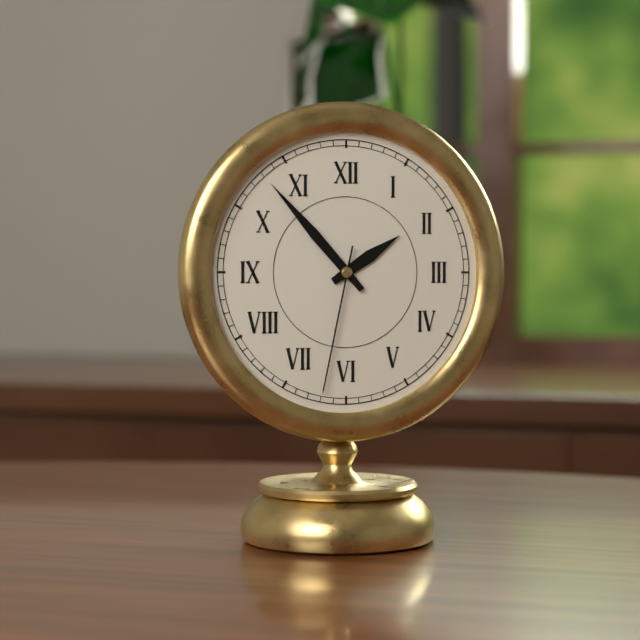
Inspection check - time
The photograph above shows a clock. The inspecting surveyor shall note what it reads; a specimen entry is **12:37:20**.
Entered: **1:53:32**
